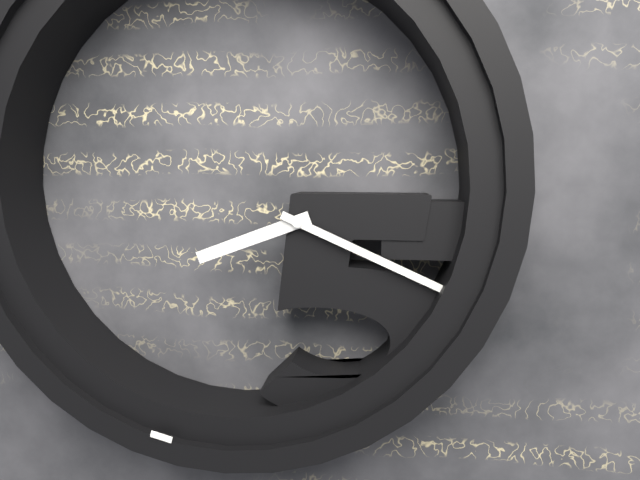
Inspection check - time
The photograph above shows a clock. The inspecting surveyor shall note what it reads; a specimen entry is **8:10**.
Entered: **8:19**
